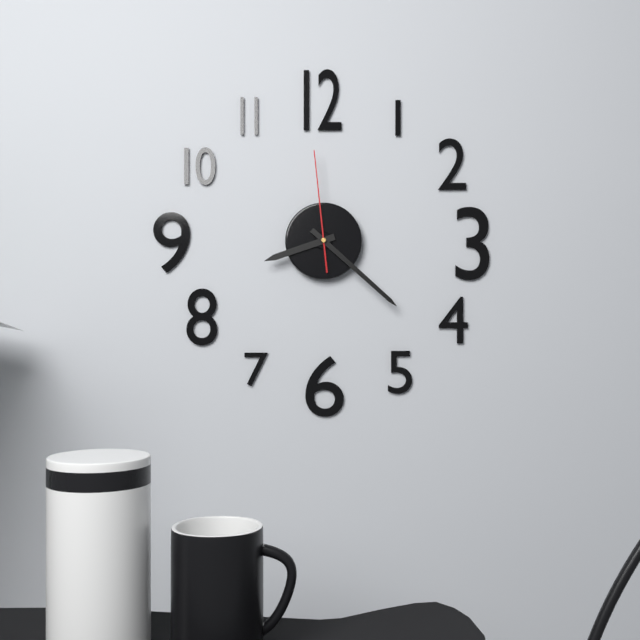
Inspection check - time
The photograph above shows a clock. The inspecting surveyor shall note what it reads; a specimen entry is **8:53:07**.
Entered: **8:22:59**
